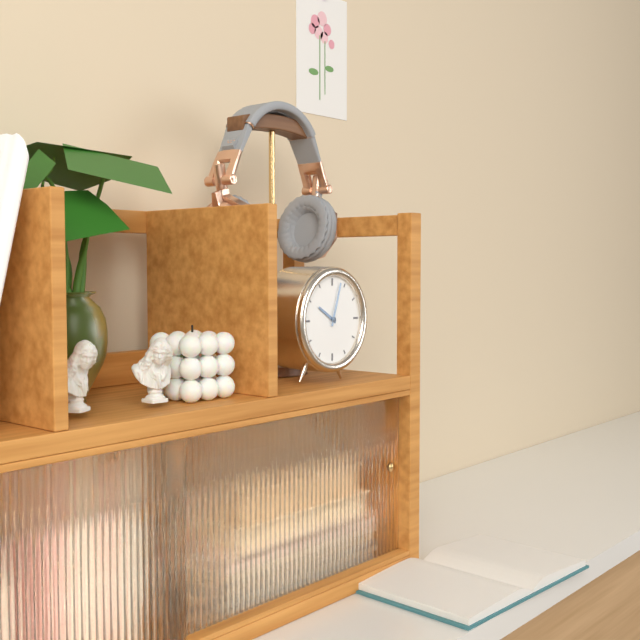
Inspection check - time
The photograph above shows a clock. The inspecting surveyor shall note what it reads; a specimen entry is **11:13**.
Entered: **10:03**
